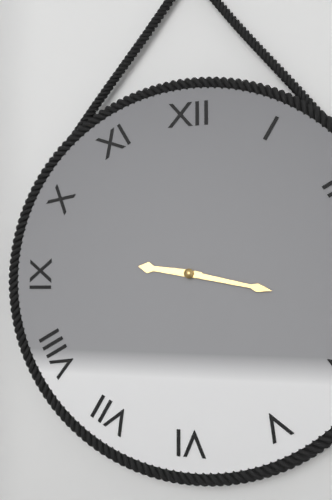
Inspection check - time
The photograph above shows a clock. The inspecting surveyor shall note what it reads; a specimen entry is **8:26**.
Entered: **9:17**
